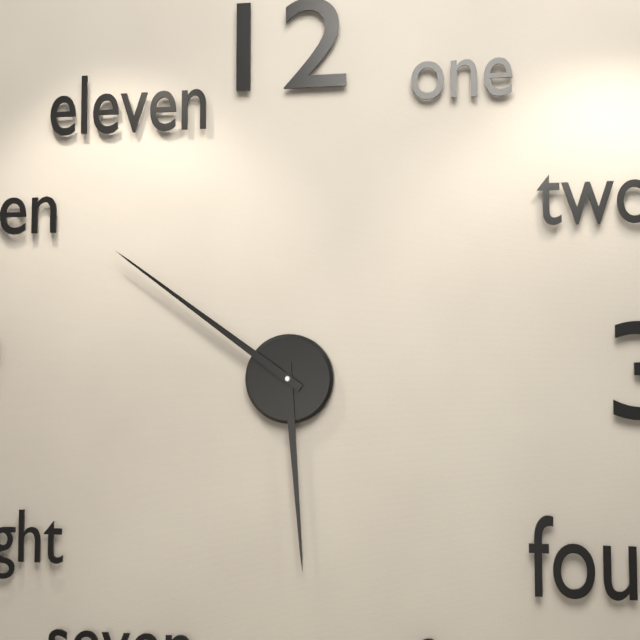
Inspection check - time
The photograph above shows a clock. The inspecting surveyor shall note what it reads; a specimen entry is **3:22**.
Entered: **5:51**
